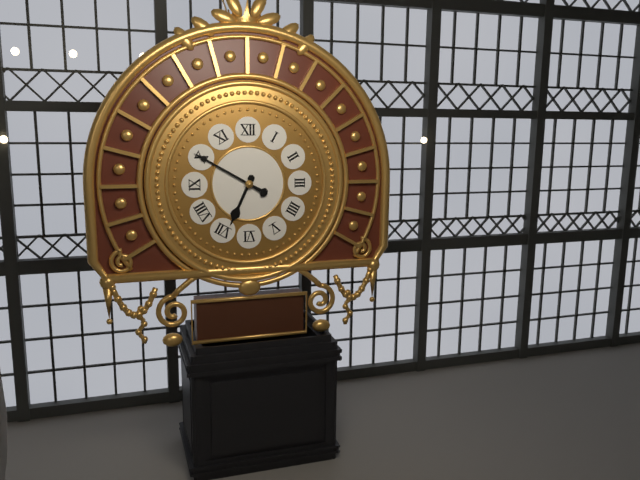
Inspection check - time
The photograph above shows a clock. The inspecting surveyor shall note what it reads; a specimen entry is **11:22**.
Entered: **6:50**
